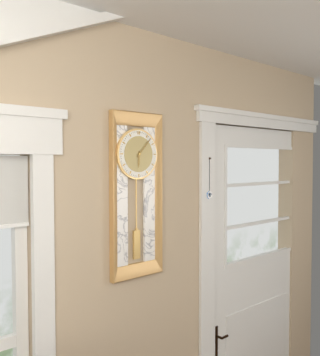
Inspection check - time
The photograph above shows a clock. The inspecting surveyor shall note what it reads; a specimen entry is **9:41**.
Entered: **6:07**
